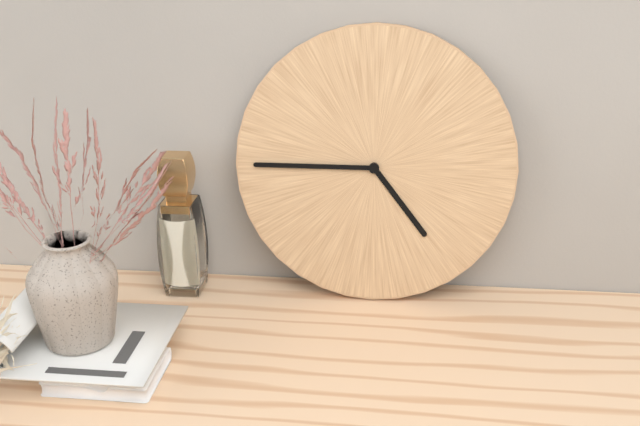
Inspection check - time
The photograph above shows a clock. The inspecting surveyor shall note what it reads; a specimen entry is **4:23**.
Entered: **4:45**
